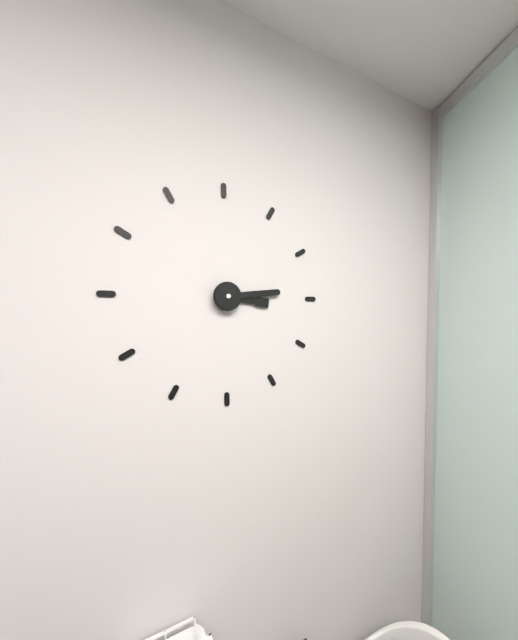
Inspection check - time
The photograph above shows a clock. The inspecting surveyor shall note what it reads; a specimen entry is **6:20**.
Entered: **3:14**
